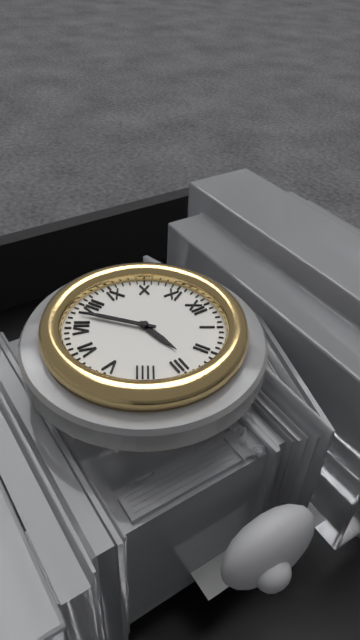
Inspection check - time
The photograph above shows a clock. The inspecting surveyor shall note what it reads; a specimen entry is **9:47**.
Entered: **2:38**
